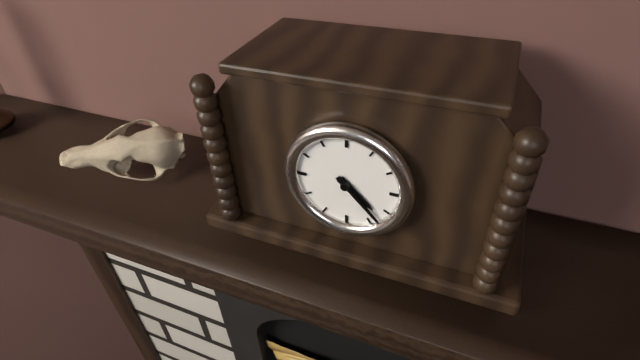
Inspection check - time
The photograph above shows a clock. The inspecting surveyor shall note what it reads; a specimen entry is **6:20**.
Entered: **4:23**
